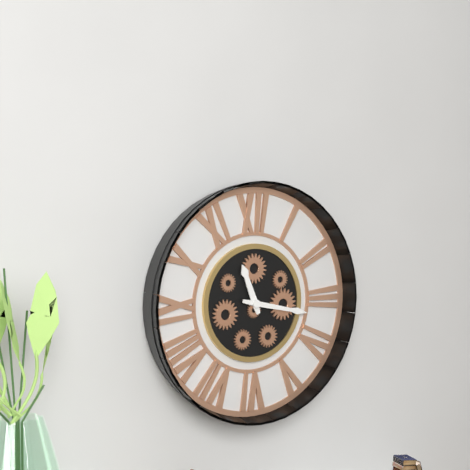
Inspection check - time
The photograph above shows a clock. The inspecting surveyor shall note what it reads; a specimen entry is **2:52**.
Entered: **11:17**
